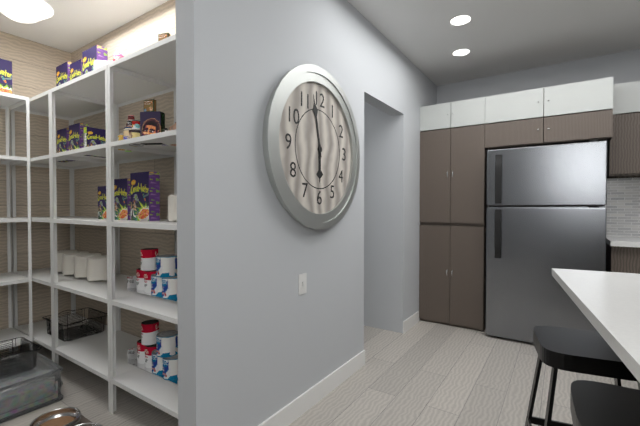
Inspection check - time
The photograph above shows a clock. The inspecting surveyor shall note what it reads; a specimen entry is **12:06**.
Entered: **5:58**
